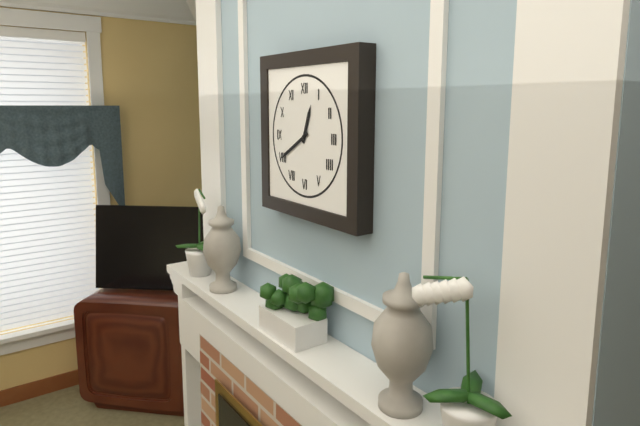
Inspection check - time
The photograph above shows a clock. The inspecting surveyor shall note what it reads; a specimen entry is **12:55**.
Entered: **12:40**
